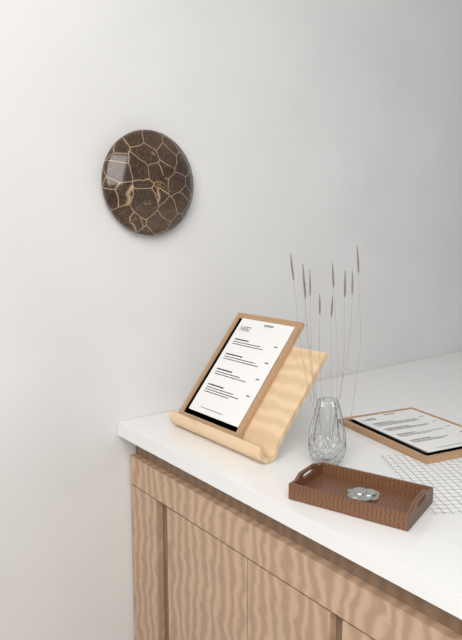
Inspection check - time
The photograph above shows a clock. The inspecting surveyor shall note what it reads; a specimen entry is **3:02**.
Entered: **4:07**
